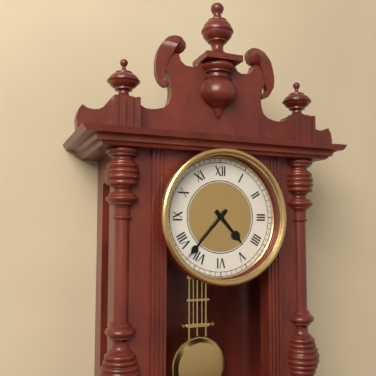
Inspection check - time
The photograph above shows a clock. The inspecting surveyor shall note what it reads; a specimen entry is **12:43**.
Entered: **4:37**
